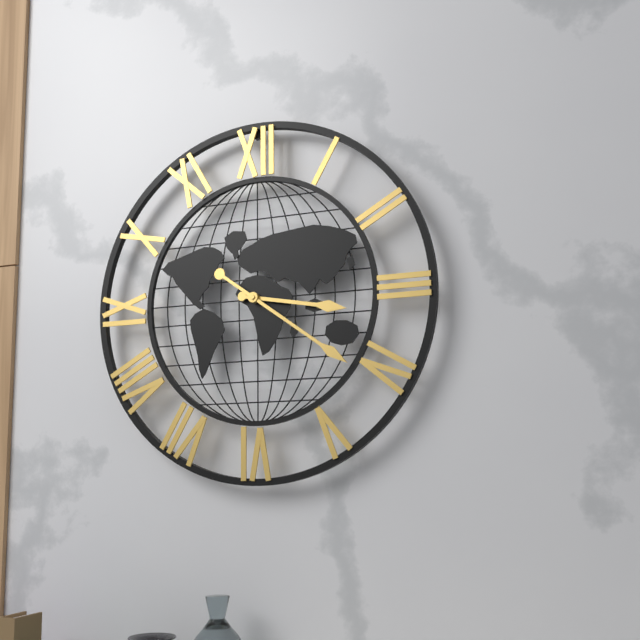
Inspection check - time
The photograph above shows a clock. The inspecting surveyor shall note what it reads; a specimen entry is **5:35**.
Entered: **3:21**
